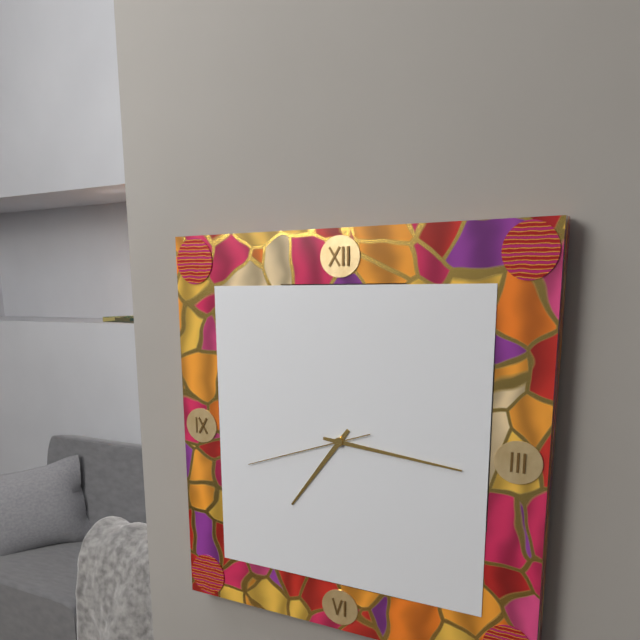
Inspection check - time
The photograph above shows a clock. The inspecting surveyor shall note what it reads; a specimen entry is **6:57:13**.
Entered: **7:16:42**
